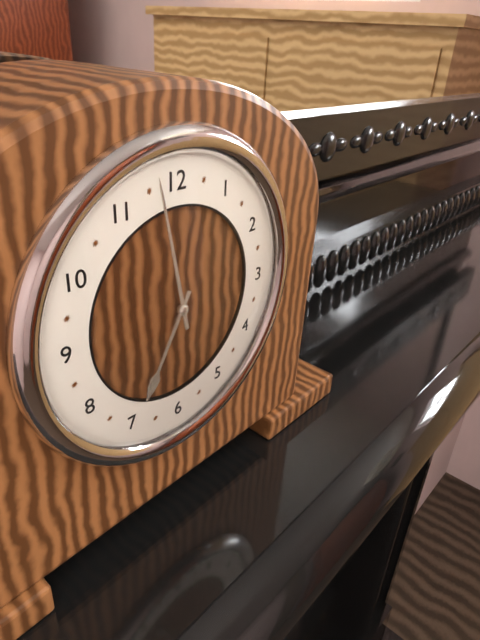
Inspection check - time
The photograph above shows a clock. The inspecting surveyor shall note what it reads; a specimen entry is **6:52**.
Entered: **6:58**
